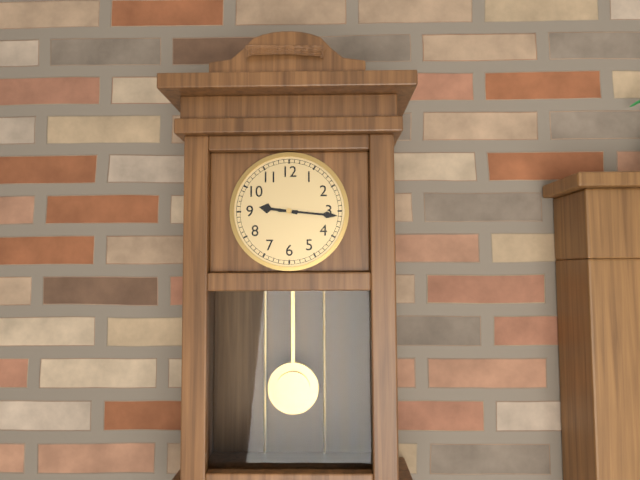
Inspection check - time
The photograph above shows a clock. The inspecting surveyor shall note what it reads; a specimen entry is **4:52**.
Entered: **9:16**
